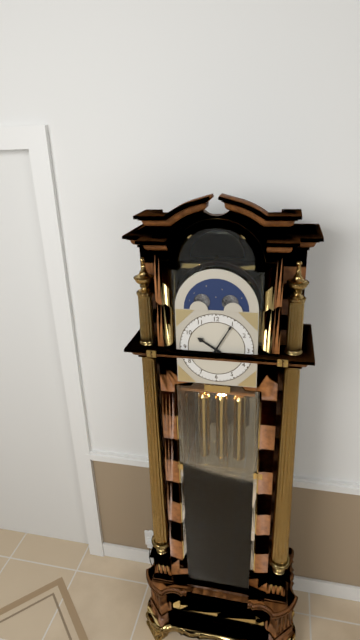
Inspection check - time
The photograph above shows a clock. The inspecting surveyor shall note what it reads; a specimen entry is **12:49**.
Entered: **10:05**
